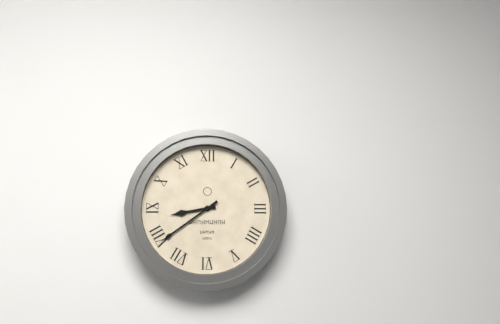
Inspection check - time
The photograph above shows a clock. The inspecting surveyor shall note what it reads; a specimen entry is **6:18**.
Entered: **8:39**
